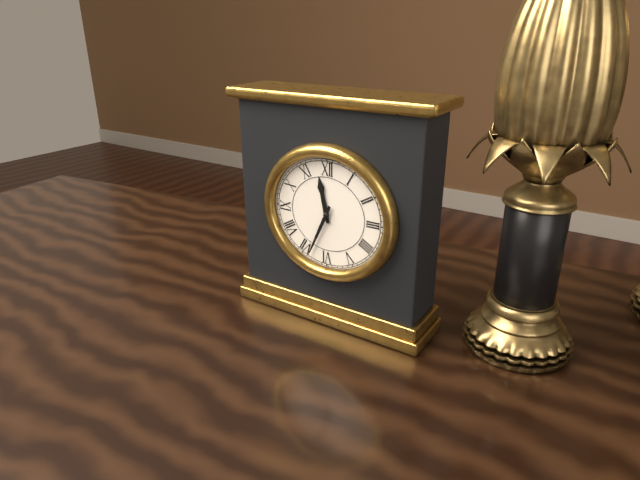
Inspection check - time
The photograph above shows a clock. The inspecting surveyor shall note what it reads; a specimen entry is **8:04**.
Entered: **11:34**
